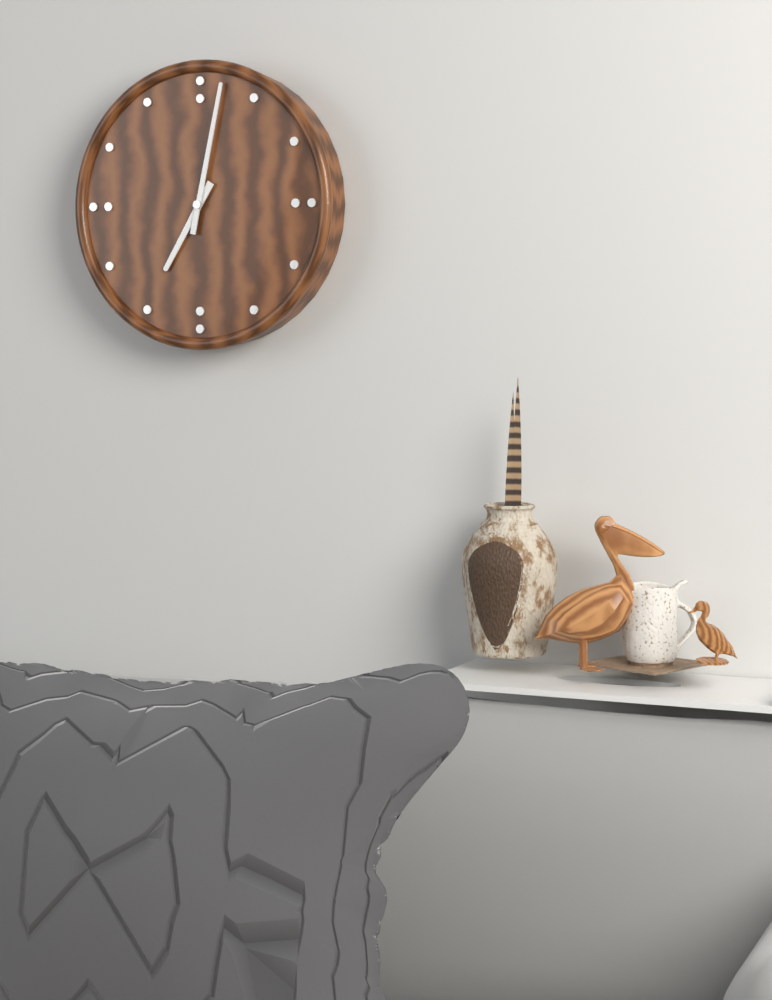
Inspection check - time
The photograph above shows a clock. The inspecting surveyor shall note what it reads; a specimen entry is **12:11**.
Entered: **7:02**
